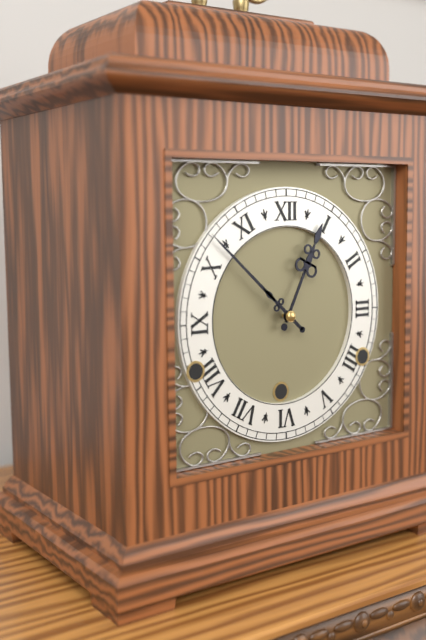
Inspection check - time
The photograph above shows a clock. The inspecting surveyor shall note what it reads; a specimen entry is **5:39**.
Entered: **12:52**
